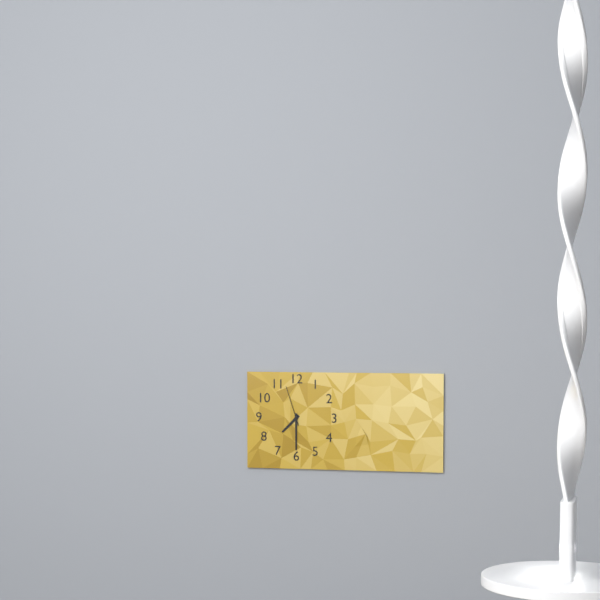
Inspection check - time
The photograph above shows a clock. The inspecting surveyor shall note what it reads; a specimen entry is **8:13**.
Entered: **7:30**
